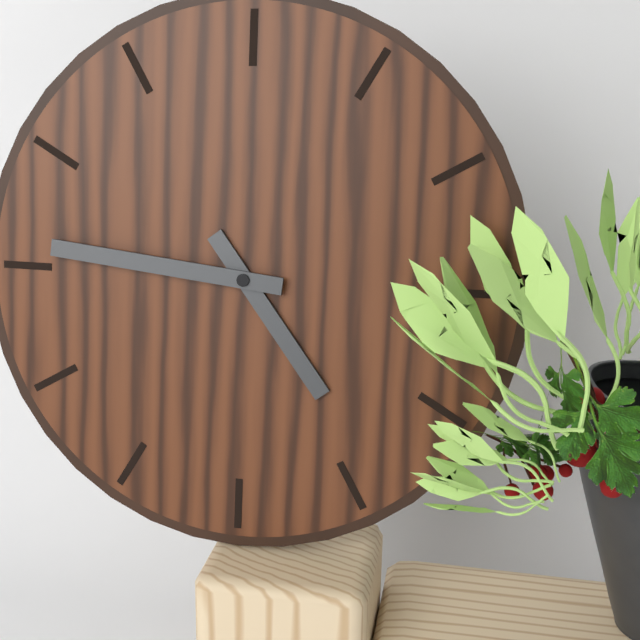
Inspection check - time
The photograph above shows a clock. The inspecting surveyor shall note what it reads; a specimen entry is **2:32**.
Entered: **4:46**
